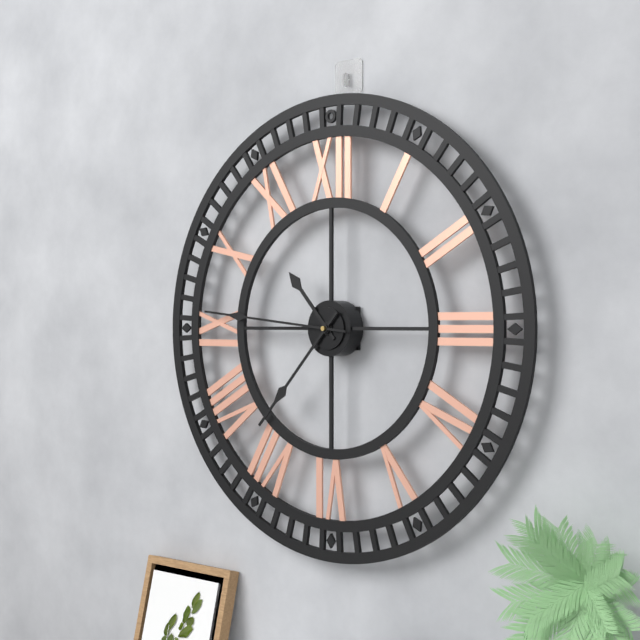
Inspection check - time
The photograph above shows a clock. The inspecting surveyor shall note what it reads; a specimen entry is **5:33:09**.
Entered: **10:37:46**
